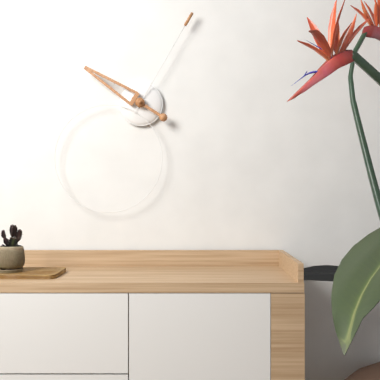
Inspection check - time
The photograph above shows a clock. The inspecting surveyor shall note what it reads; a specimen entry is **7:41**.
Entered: **10:05**
